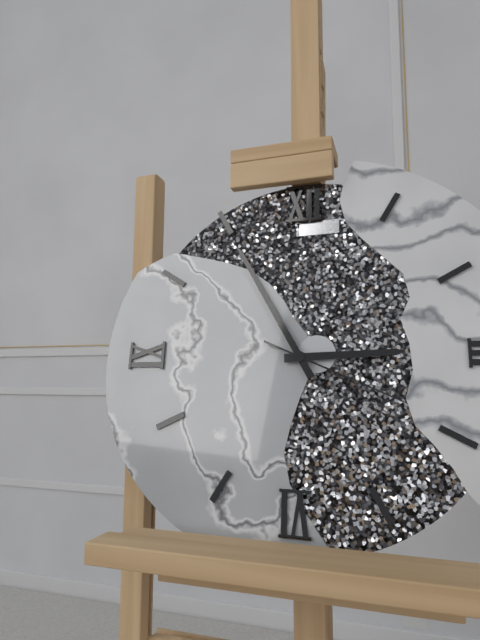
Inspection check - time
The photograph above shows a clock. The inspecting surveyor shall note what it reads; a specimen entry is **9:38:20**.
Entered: **2:55:19**
